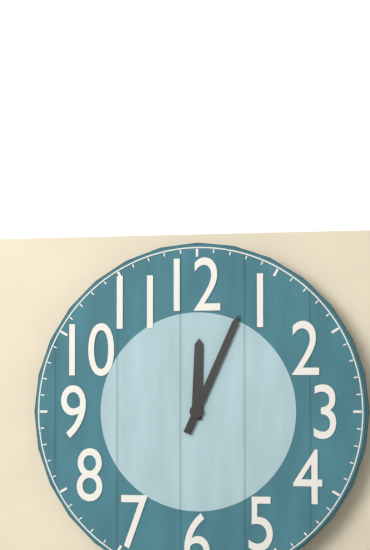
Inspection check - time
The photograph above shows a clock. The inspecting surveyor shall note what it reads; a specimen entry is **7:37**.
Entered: **12:04**
